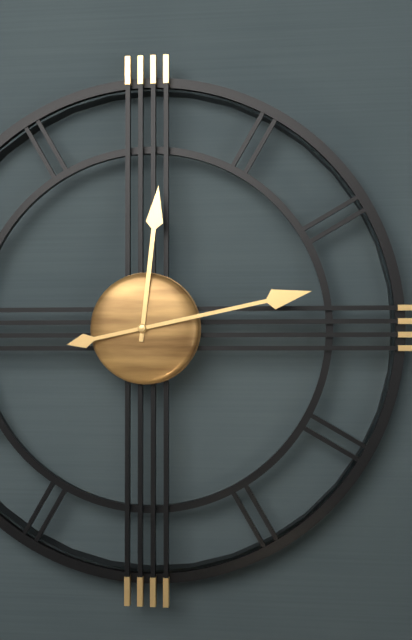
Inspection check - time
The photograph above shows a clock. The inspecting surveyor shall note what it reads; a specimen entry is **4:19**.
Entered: **12:13**
